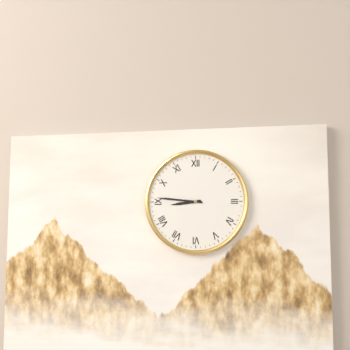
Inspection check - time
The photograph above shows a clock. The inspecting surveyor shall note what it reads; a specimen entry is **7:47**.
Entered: **8:46**
